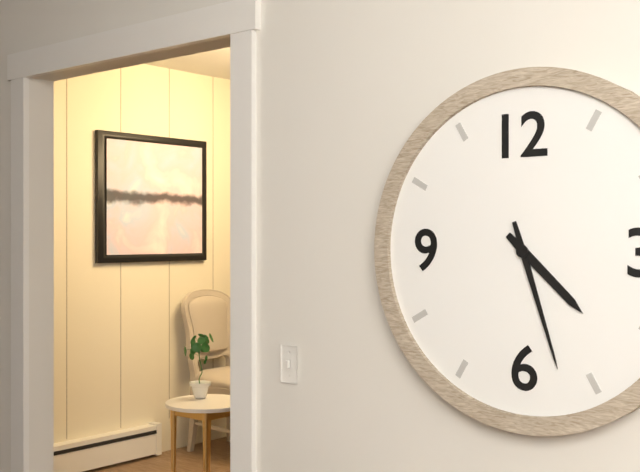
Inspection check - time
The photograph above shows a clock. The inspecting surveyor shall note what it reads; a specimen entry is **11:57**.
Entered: **4:27**
